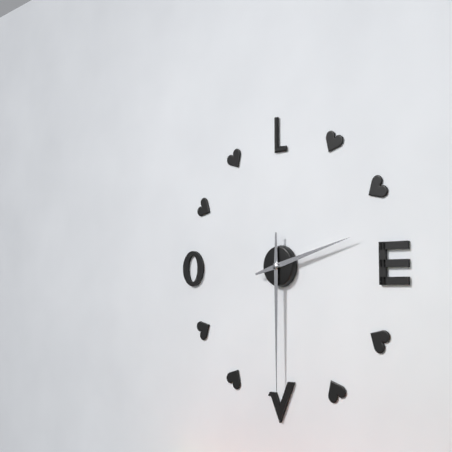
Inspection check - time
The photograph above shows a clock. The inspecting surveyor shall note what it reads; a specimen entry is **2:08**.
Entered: **2:30**
